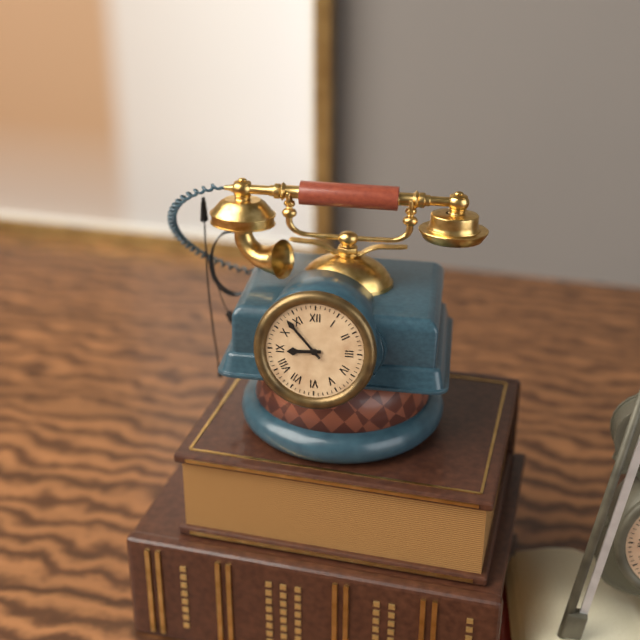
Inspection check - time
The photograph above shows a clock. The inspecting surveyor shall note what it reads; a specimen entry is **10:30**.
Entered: **8:53**
